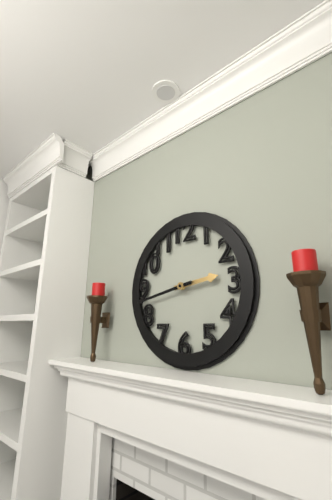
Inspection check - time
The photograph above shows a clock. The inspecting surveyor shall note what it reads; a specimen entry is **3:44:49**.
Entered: **2:43:43**
